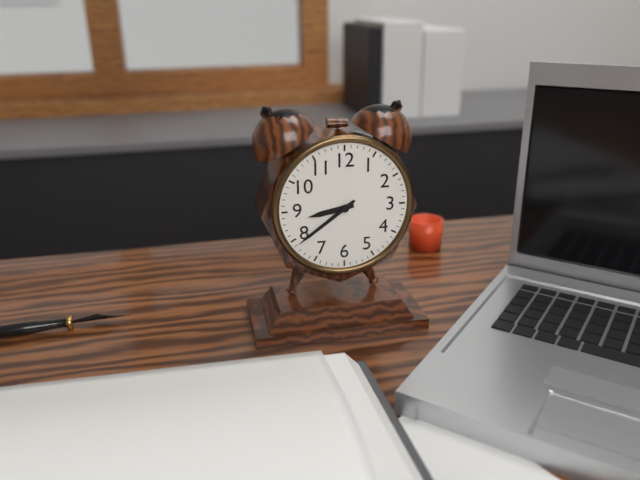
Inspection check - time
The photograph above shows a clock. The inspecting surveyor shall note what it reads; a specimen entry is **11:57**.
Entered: **8:39**
